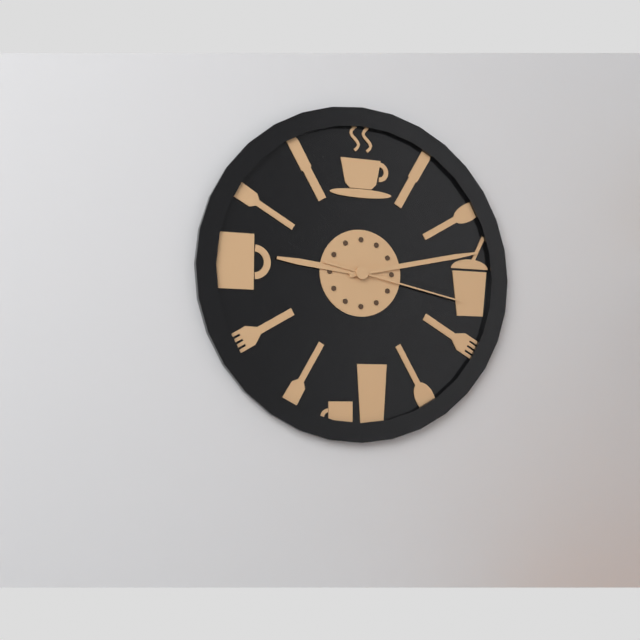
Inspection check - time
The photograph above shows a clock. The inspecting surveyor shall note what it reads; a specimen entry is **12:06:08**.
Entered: **9:13:17**
